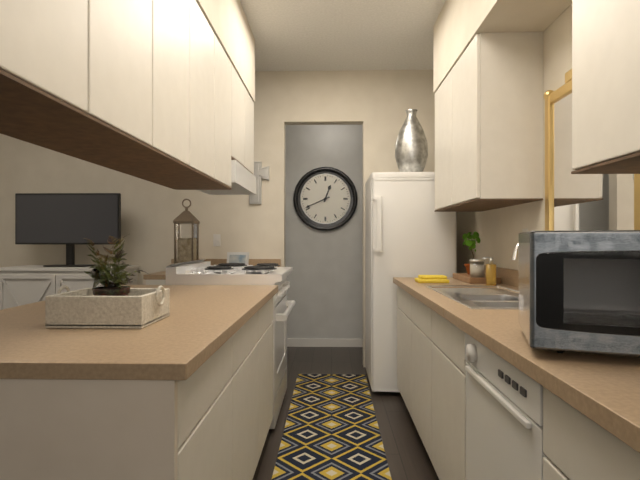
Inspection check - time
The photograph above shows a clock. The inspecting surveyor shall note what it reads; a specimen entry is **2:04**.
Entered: **12:41**
